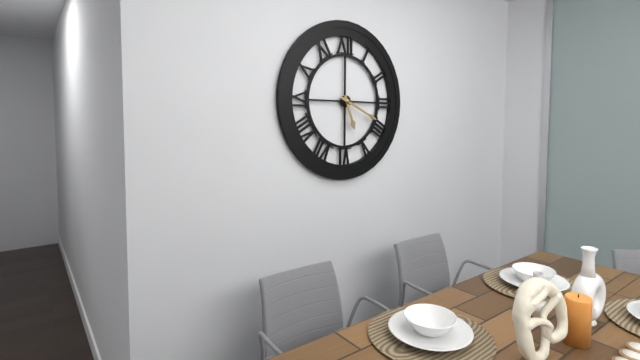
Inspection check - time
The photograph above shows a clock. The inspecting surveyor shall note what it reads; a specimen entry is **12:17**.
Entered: **5:19**
